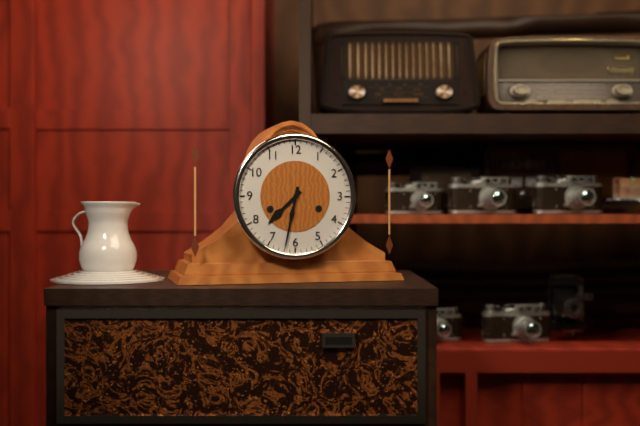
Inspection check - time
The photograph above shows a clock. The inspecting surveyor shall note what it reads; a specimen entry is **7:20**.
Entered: **7:32**
